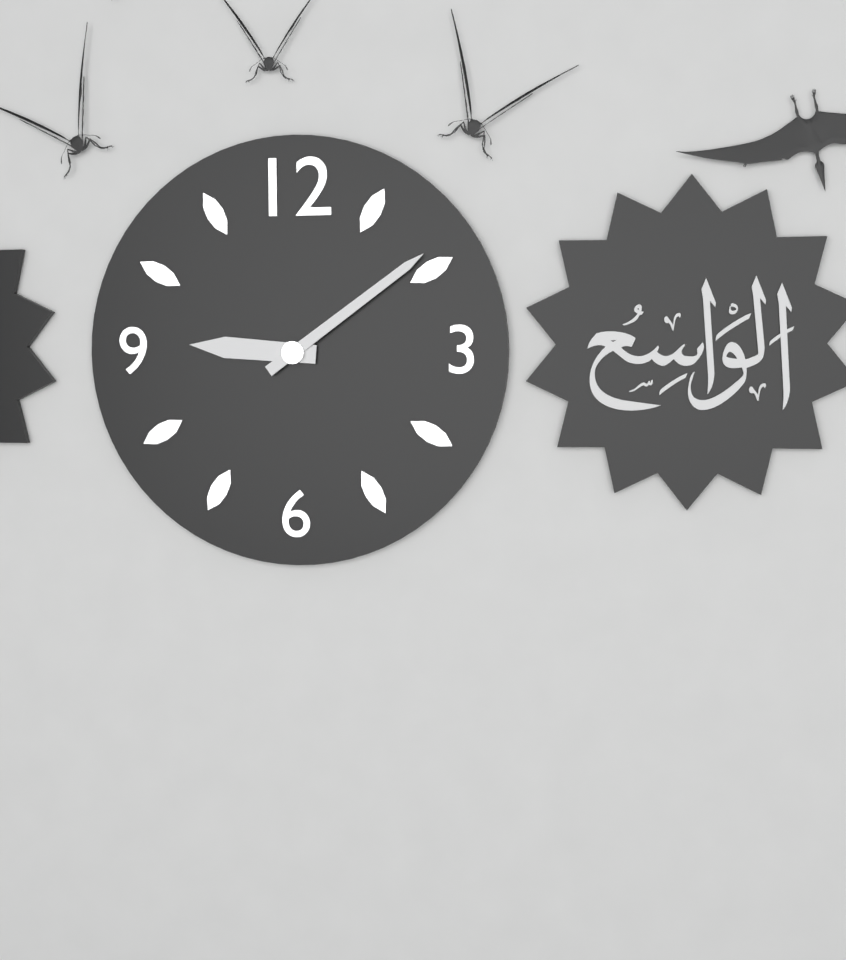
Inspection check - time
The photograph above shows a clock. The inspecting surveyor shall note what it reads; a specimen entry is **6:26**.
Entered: **9:09**
